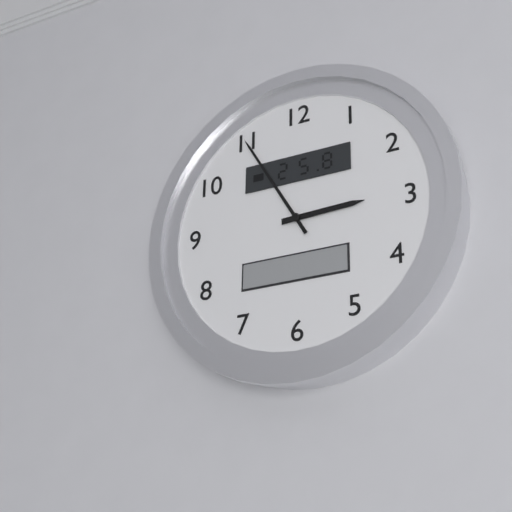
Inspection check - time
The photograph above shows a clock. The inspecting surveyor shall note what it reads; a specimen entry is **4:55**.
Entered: **2:55**
